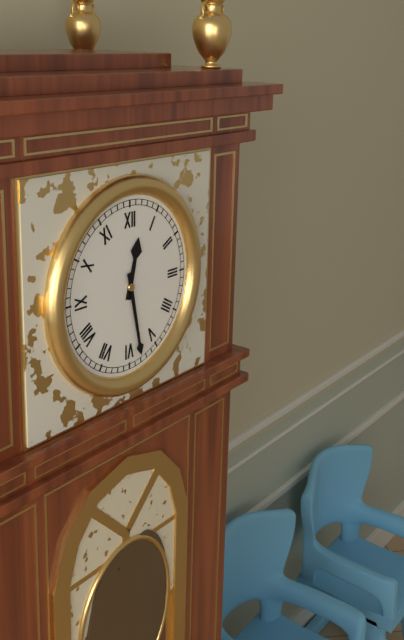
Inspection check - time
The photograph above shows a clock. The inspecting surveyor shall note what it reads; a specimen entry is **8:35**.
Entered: **12:28**
